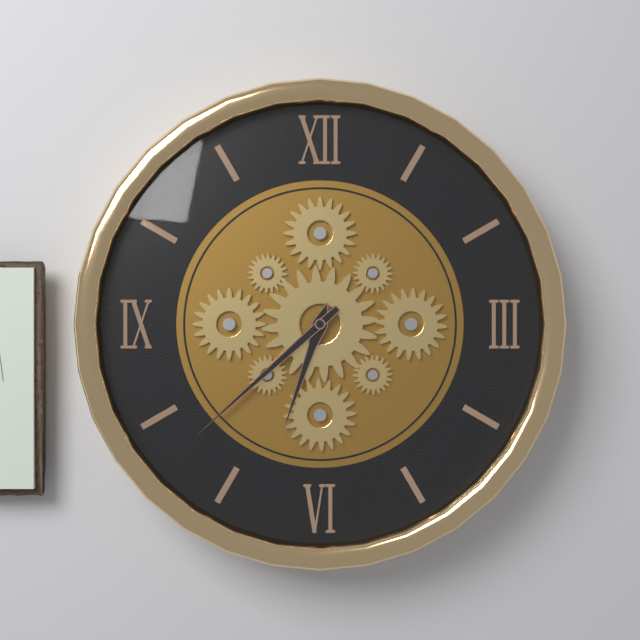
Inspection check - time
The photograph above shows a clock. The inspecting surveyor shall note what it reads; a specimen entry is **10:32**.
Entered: **6:38**
